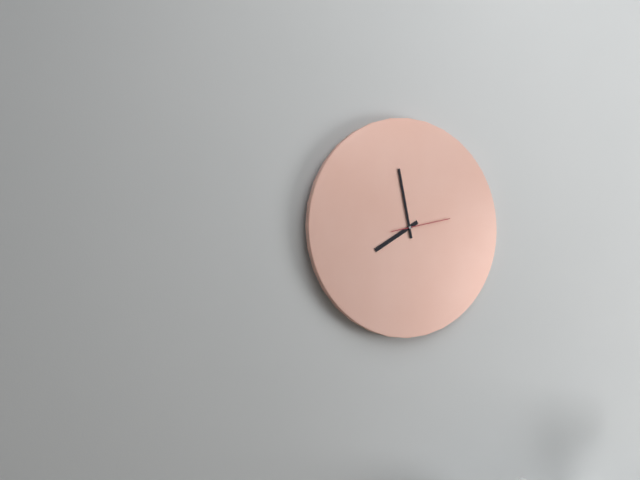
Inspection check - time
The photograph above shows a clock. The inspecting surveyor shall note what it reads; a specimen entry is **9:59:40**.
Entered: **7:58:13**
